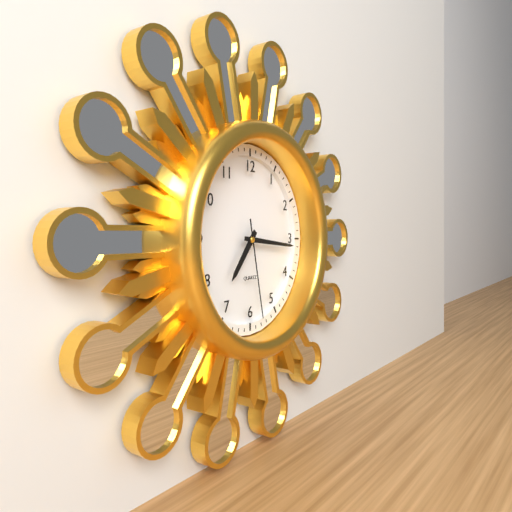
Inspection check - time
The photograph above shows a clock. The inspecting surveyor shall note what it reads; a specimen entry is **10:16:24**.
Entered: **7:16:28**
